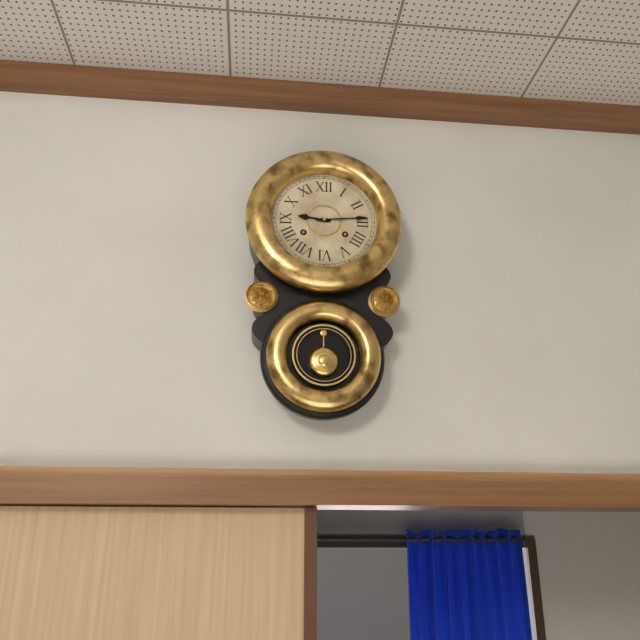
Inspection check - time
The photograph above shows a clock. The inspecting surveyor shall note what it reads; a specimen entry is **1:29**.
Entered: **9:14**
